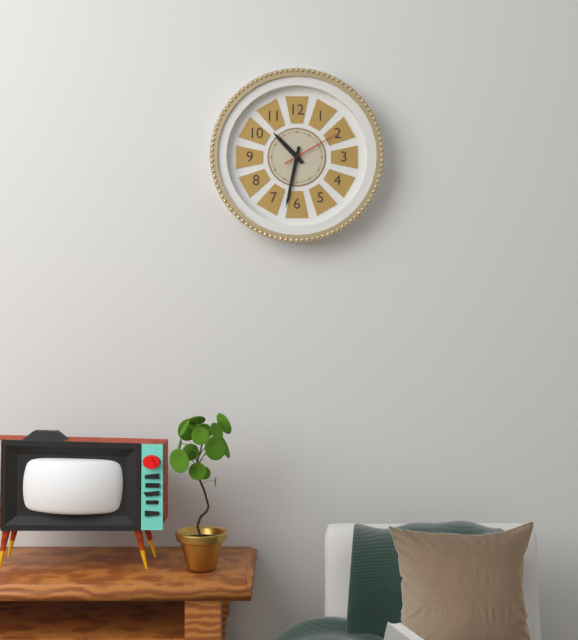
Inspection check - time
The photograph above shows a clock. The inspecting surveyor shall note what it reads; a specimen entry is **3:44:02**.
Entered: **10:32:10**
